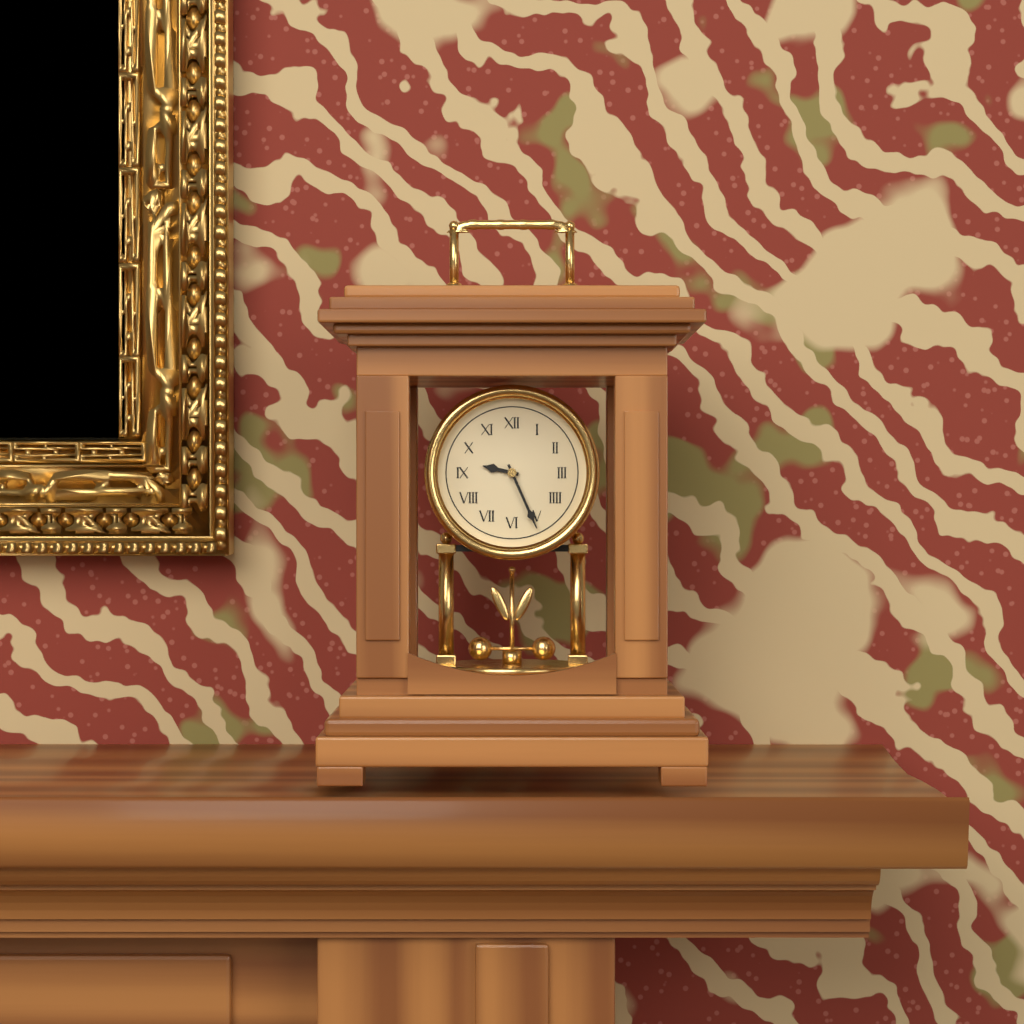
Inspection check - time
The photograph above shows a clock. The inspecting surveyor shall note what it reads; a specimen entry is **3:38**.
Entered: **9:26**
